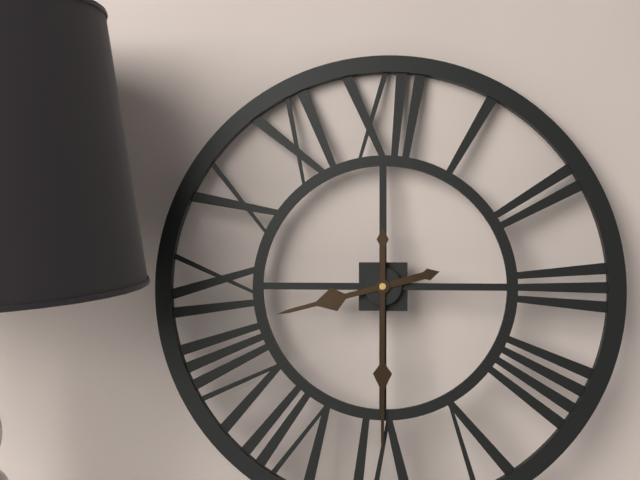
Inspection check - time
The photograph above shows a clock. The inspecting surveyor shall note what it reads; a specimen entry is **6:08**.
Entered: **8:30**
